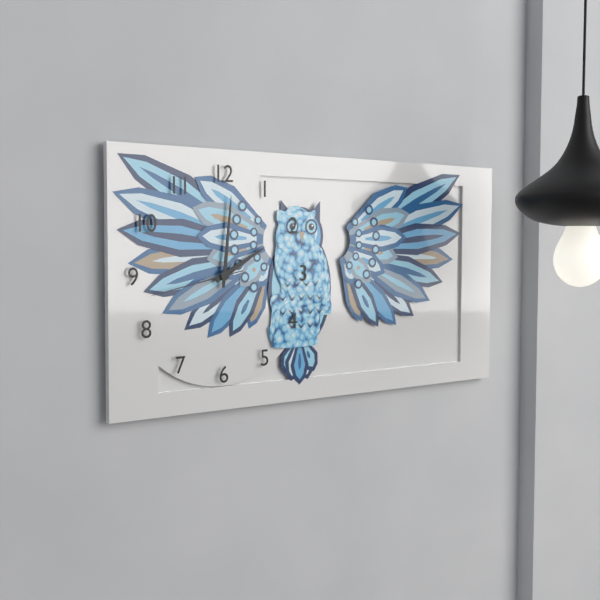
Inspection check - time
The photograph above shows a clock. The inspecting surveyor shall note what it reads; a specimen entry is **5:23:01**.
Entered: **2:01:43**
